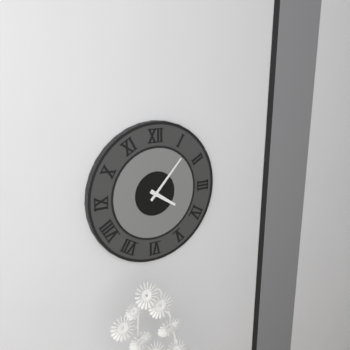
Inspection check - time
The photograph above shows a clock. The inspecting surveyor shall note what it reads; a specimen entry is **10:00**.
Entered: **4:07**
